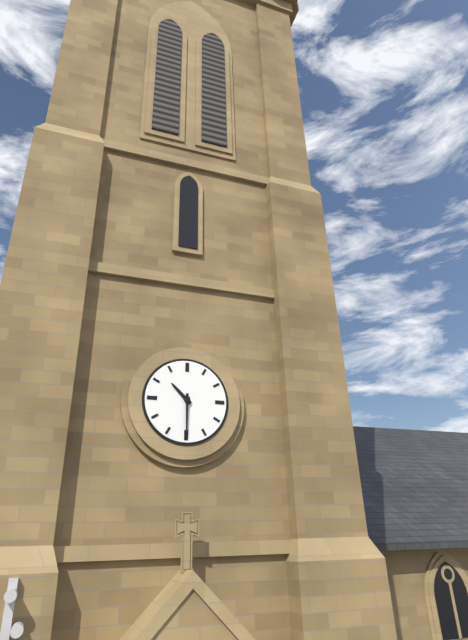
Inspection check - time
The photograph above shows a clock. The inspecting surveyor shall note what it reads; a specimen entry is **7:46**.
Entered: **10:30**
